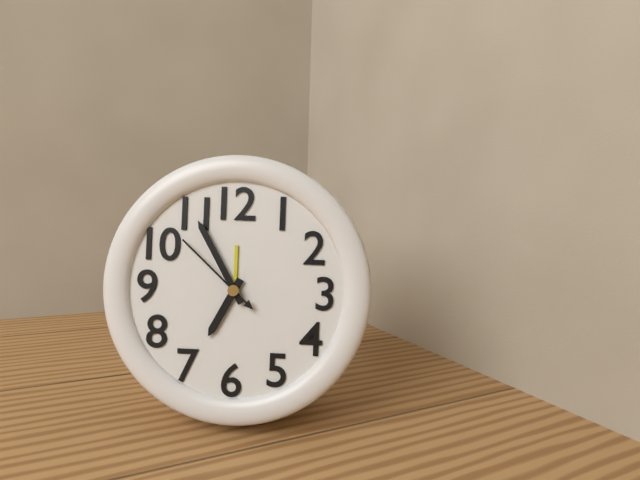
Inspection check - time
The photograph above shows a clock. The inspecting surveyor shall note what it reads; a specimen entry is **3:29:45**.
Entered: **6:55:52**
